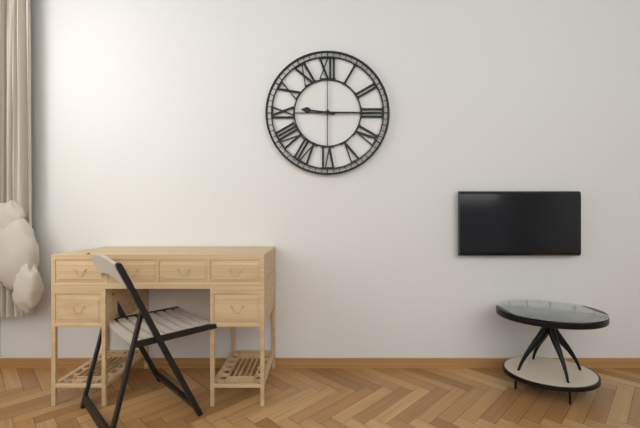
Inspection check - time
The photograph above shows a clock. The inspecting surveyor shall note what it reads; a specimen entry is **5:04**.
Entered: **9:15**
